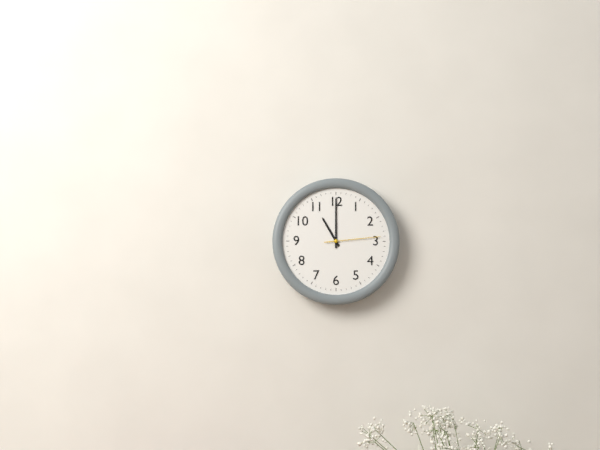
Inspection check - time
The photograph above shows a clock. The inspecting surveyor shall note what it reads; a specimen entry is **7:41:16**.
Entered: **11:00:14**
